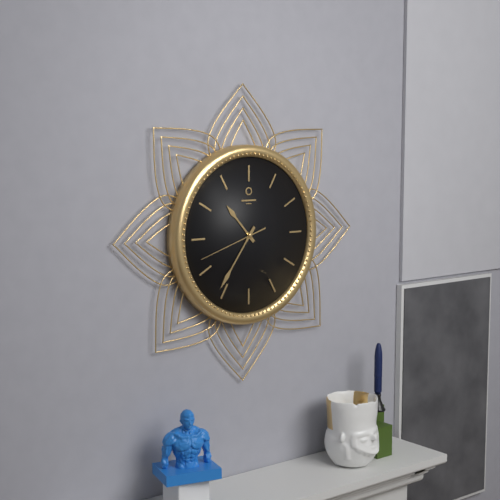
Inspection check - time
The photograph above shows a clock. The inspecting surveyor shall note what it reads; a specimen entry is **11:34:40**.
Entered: **10:36:42**
